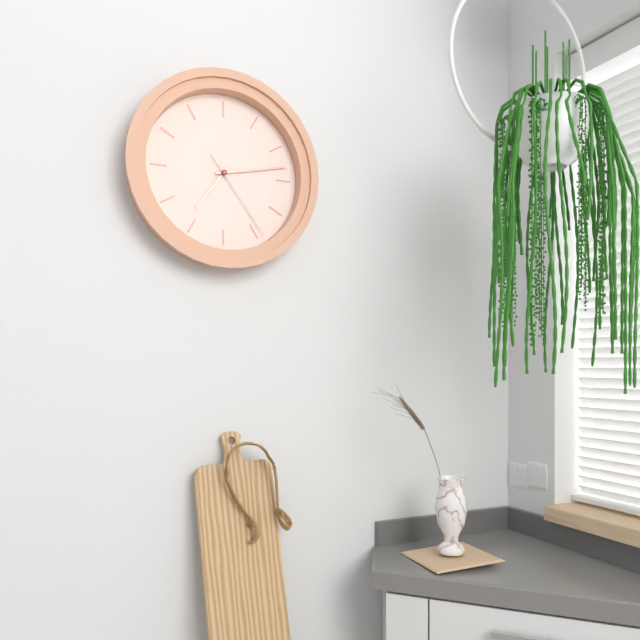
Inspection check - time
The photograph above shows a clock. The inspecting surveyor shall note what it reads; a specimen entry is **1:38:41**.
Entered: **7:13:24**
